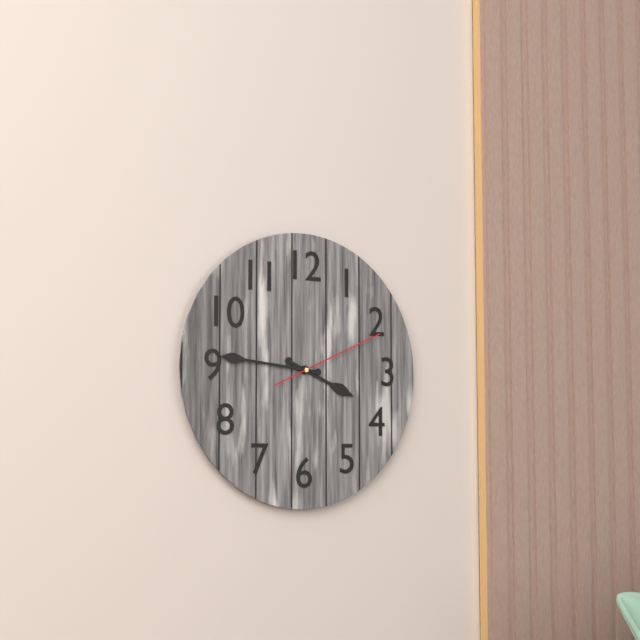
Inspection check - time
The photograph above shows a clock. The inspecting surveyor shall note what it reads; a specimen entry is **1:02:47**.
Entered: **3:46:11**
